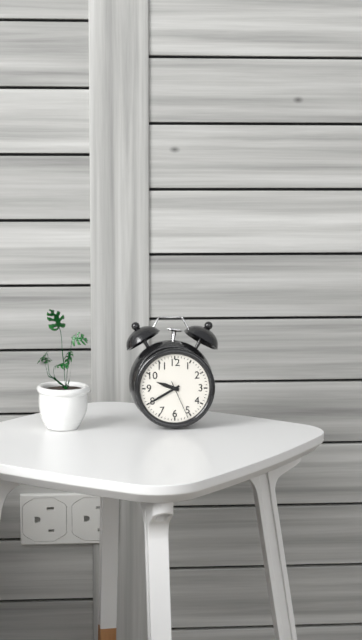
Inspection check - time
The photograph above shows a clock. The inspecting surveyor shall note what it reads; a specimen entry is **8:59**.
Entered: **9:40**
